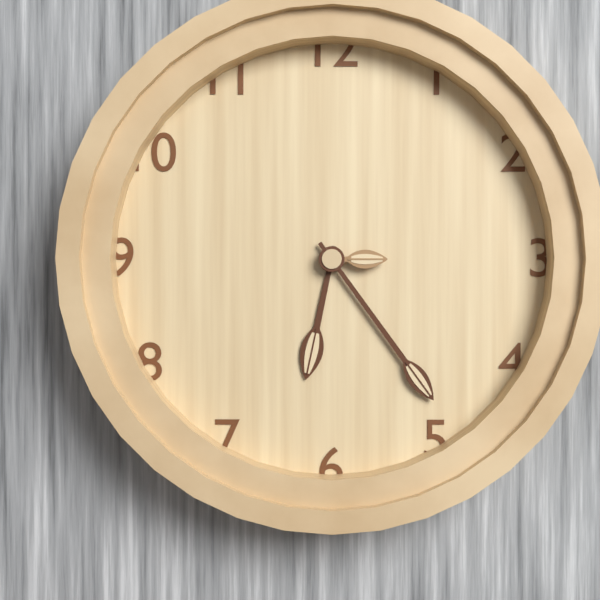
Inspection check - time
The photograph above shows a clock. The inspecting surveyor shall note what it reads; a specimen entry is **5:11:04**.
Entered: **6:24:15**
